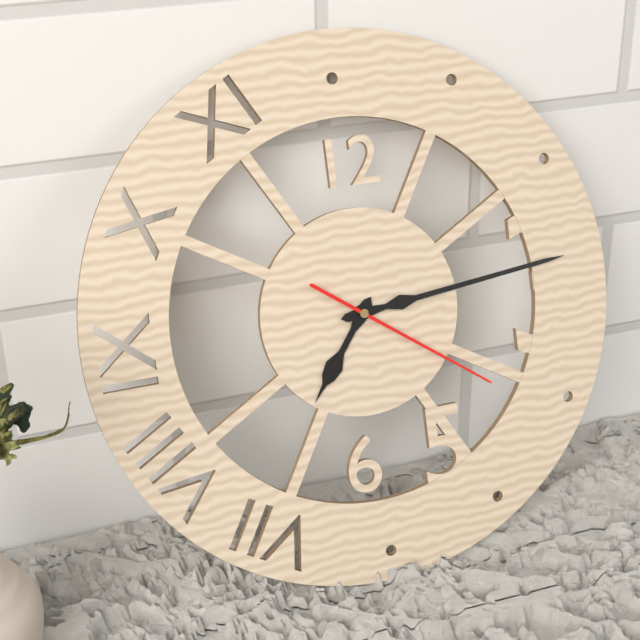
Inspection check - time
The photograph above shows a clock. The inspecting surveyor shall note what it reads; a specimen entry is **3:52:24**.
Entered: **7:14:21**
